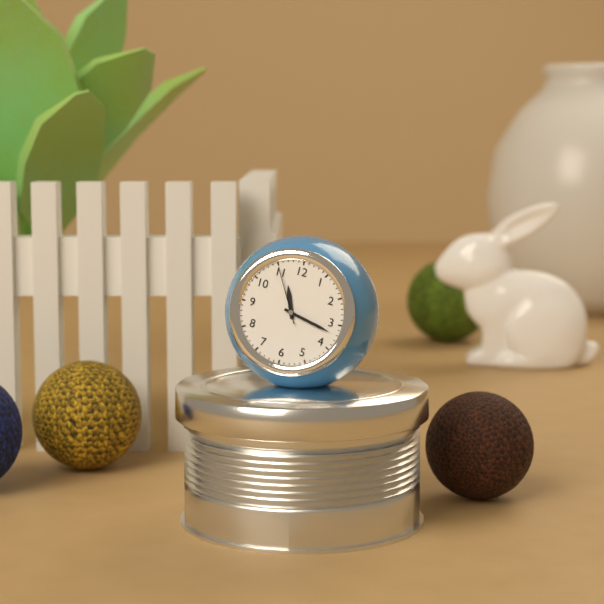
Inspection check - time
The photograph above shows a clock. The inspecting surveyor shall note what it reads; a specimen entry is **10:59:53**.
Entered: **11:17:55**
